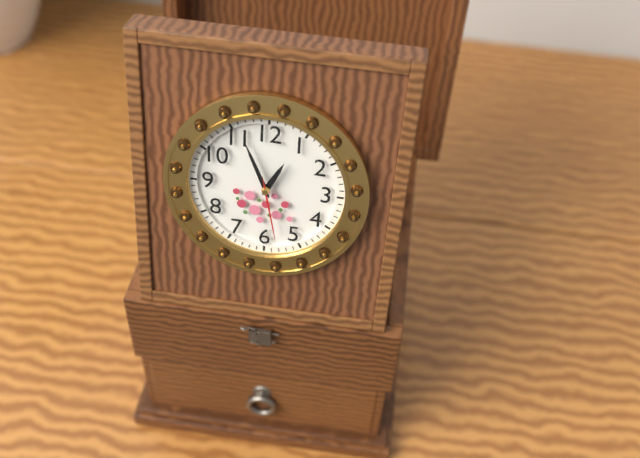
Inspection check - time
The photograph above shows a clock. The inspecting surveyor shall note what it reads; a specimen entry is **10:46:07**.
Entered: **12:56:28**
